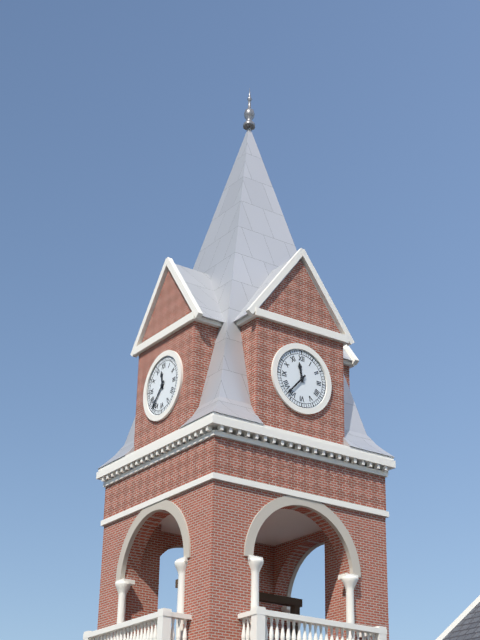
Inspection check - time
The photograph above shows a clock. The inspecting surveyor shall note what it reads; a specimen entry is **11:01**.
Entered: **11:37**
